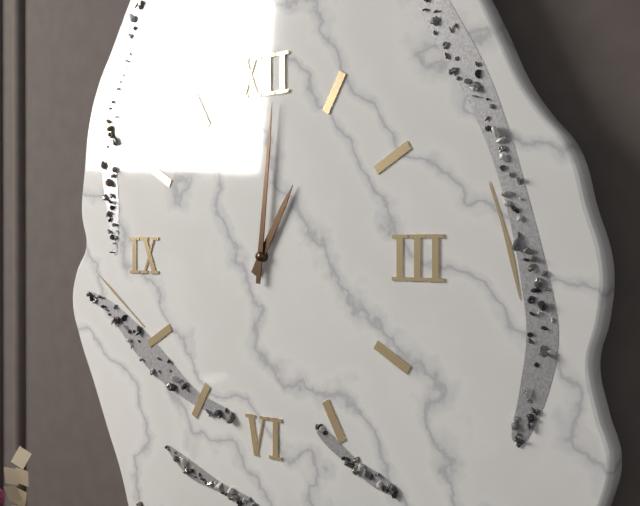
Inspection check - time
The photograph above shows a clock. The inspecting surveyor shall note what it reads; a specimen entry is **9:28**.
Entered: **1:01**
